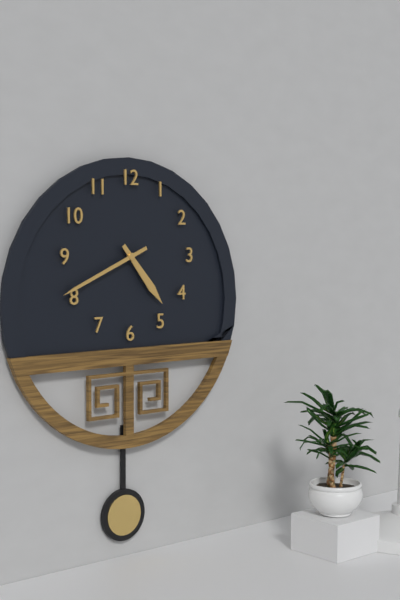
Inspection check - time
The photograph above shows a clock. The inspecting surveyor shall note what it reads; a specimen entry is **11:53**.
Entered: **4:41**
